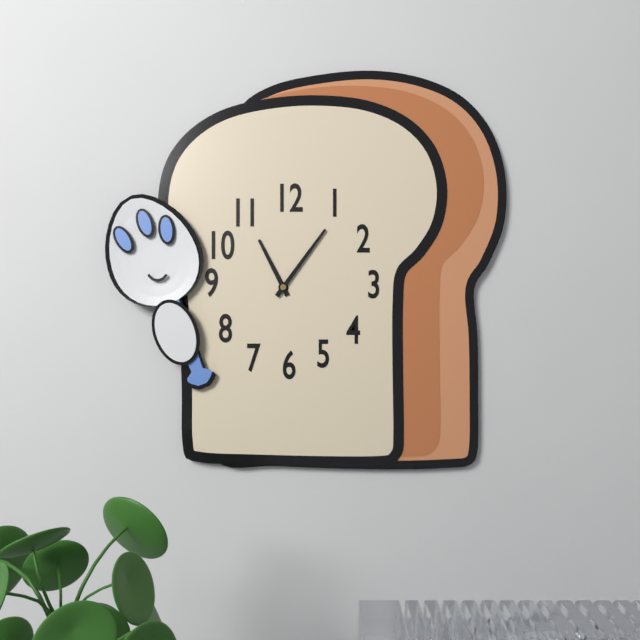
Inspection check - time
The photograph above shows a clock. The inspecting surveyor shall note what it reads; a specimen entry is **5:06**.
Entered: **11:06**
